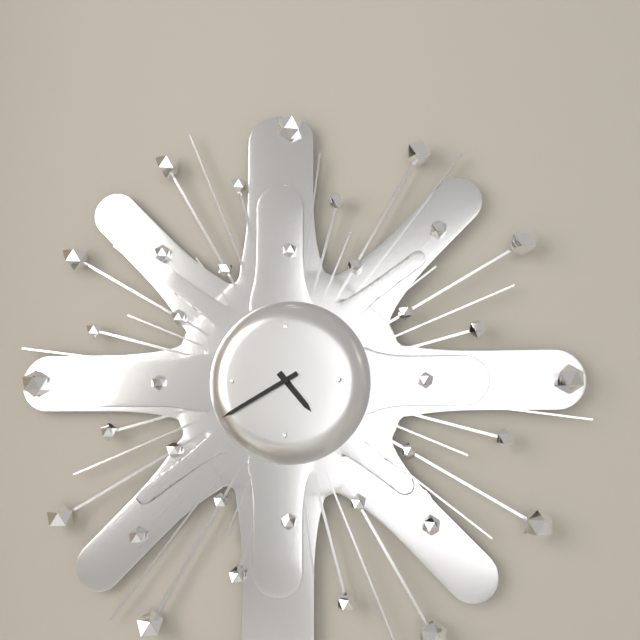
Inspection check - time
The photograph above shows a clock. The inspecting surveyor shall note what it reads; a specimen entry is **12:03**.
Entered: **4:40**
